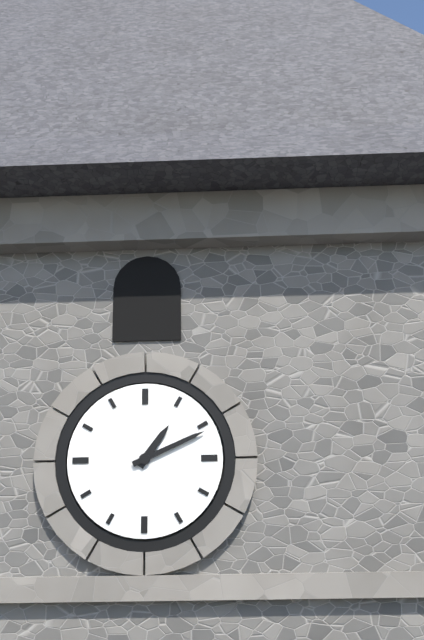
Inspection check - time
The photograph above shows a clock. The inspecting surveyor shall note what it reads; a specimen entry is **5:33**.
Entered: **1:11**
